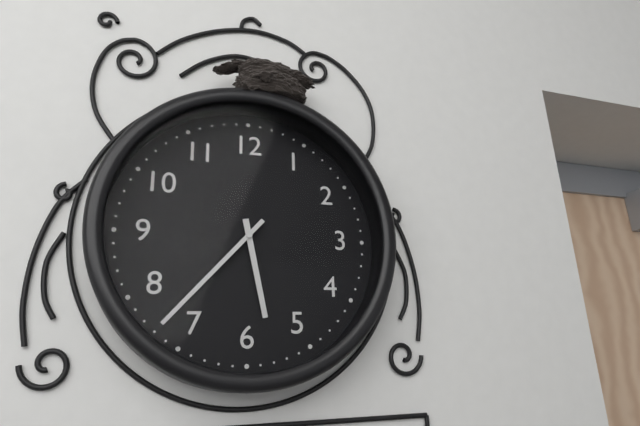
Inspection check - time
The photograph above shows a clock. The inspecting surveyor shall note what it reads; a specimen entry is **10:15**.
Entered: **5:37**
